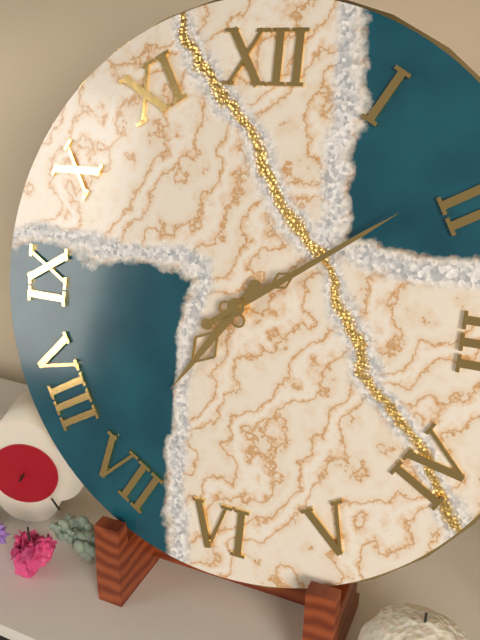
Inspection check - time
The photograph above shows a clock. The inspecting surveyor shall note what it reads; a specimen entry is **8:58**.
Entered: **7:09**
